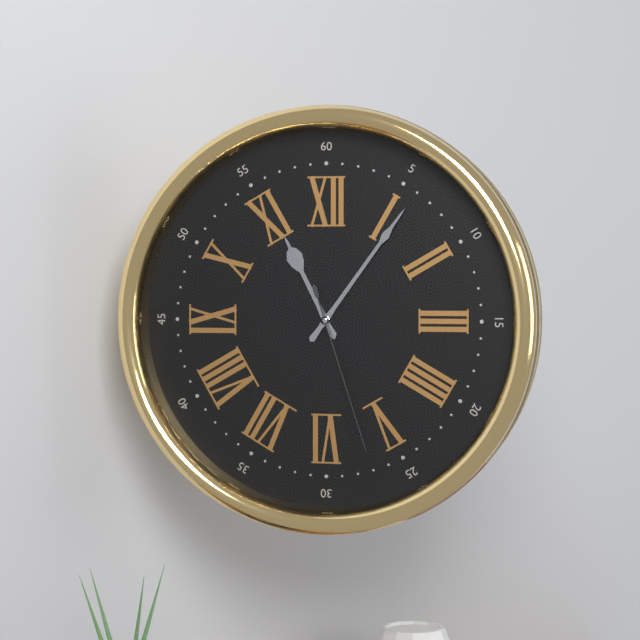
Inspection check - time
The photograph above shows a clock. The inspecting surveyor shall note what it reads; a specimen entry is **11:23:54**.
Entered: **11:06:27**
